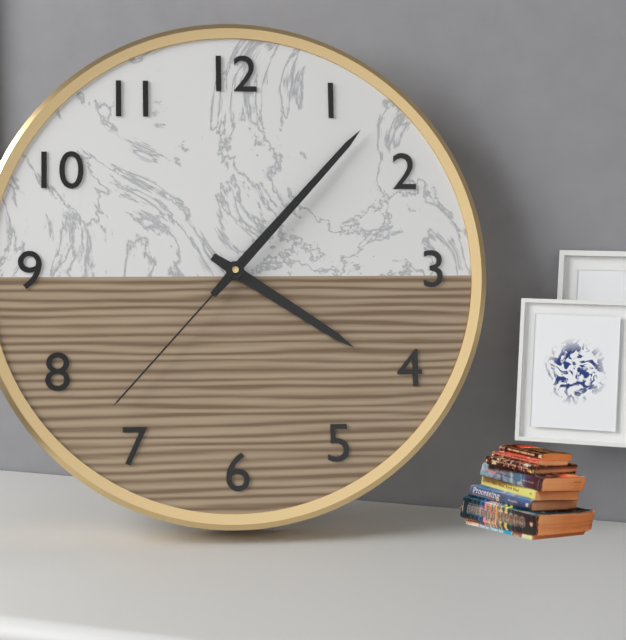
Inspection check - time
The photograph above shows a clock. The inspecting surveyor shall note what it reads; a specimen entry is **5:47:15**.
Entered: **4:07:37**
